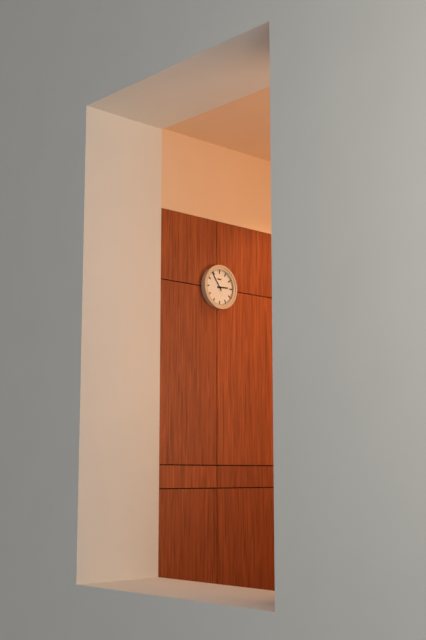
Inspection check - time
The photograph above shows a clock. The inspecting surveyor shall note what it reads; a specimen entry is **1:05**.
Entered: **2:54**
